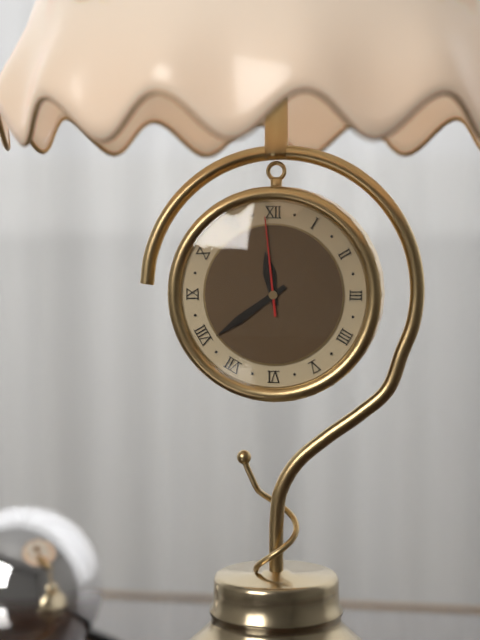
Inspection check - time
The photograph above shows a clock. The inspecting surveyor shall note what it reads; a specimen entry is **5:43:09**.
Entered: **11:39:59**
